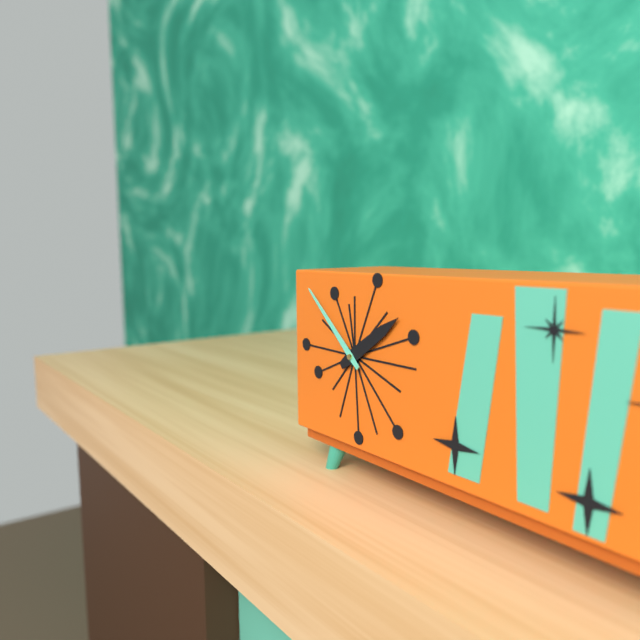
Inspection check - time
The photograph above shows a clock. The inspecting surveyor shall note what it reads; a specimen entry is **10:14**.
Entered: **1:52**
